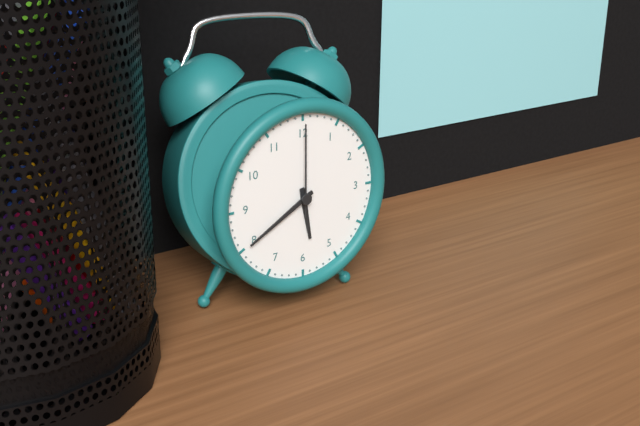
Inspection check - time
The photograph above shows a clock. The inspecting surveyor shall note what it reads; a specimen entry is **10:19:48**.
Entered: **5:40:00**
